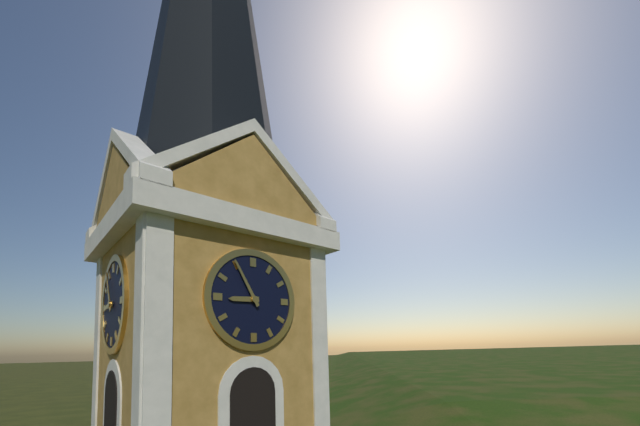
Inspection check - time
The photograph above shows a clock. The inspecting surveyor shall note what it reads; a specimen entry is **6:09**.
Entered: **8:55**
